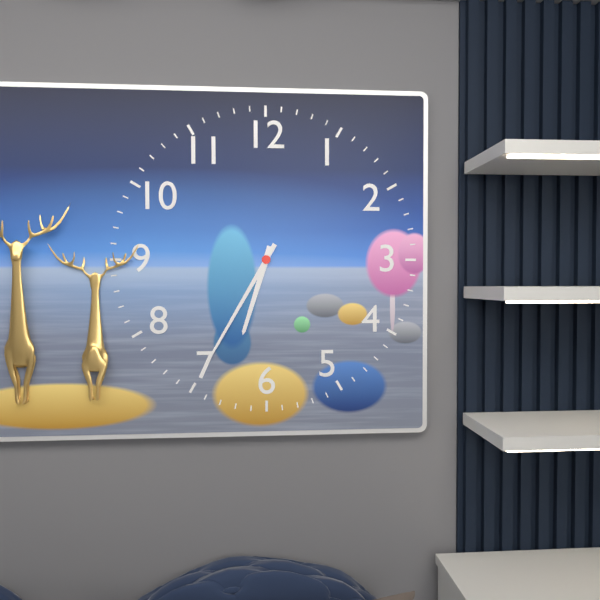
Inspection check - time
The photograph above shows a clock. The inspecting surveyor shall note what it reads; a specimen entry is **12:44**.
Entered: **6:35**
